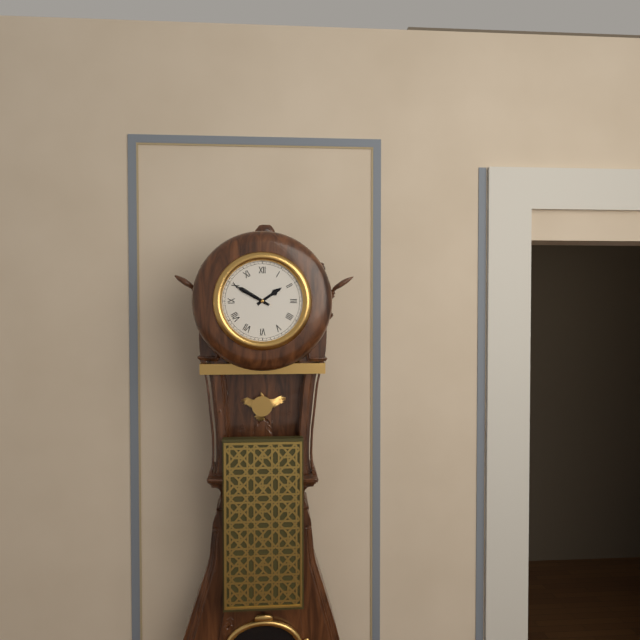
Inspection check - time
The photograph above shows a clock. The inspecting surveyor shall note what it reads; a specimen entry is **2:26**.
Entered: **1:50**
